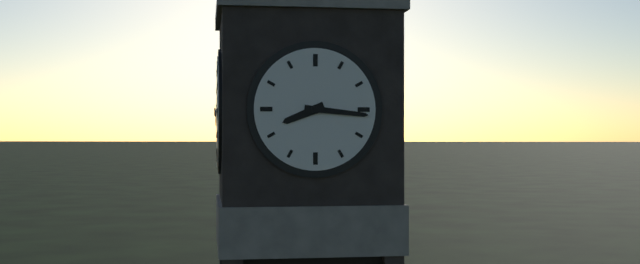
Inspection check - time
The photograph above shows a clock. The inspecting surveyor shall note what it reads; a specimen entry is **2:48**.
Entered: **8:16**
